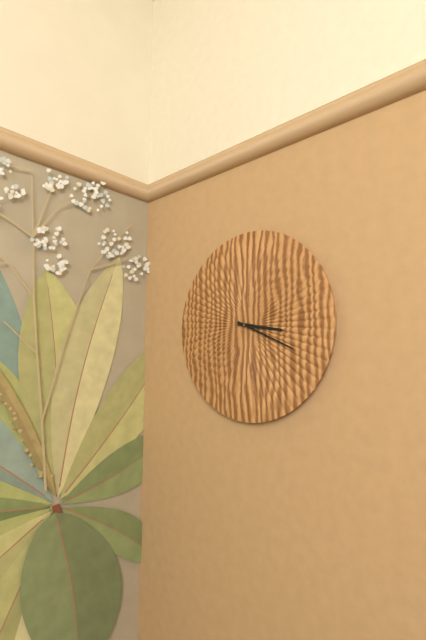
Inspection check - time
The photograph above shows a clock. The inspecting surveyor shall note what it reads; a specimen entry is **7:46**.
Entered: **3:19**
